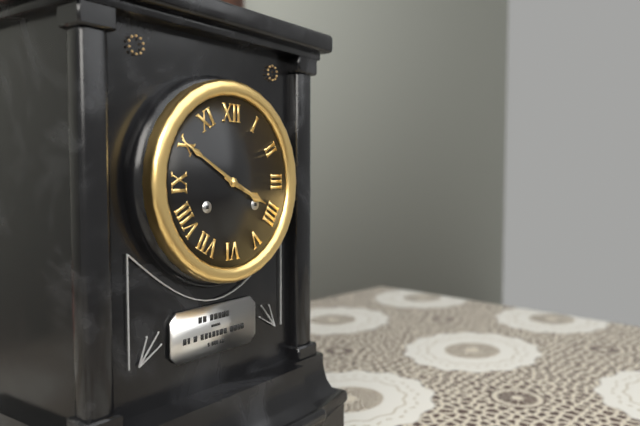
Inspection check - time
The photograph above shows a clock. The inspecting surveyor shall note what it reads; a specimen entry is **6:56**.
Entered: **3:50**
